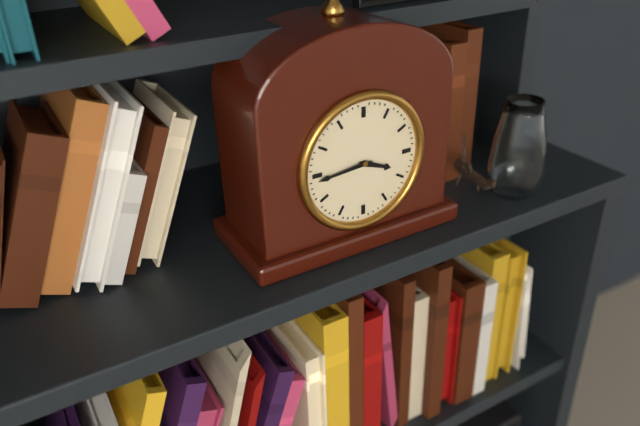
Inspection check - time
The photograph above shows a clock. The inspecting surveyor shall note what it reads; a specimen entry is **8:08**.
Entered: **3:44**
